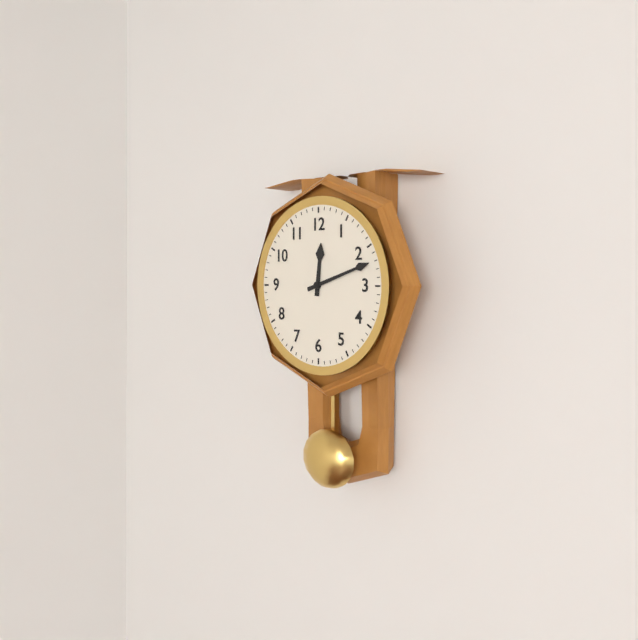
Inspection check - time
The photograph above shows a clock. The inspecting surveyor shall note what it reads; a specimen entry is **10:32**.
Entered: **12:12**
